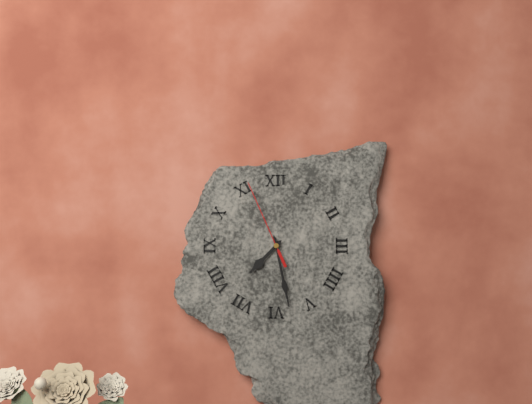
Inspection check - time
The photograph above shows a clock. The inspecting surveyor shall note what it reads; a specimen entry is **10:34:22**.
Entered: **7:28:56**
